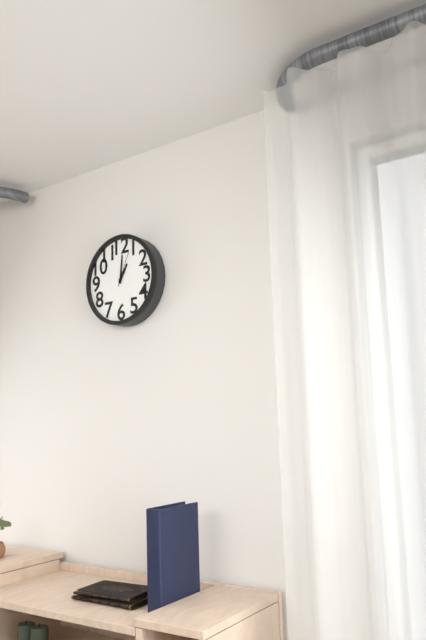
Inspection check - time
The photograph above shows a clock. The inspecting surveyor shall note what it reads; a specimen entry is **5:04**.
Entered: **1:01**
